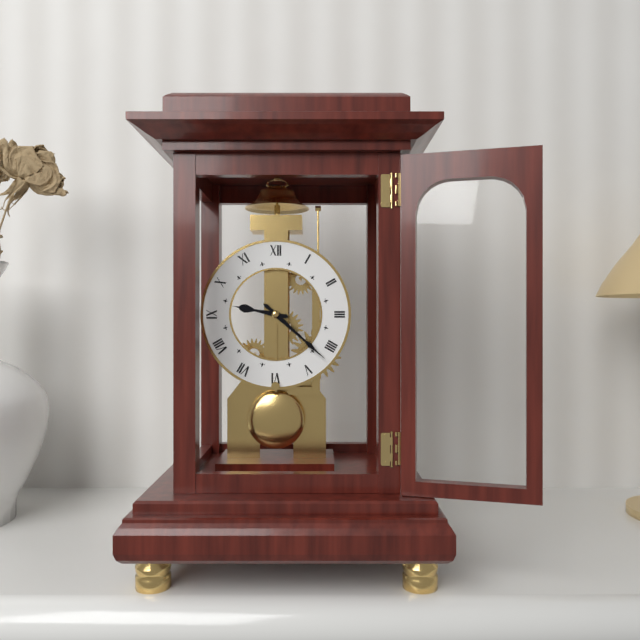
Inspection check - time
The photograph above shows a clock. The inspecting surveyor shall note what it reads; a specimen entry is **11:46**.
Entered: **9:22**
